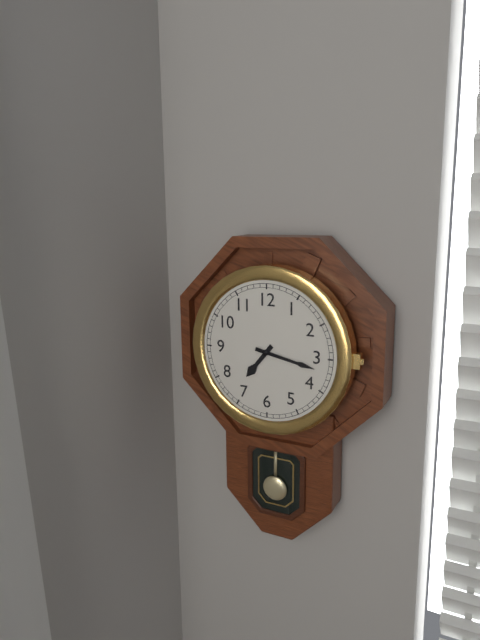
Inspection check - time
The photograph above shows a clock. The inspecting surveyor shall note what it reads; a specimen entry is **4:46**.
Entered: **7:17**
